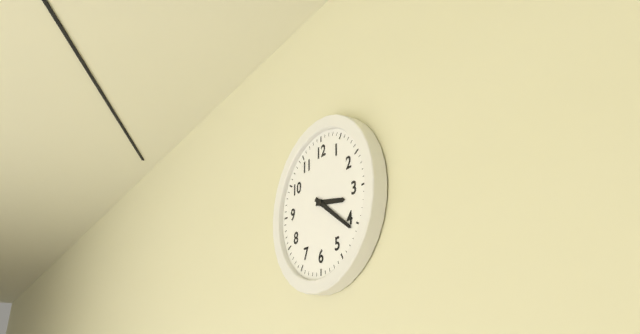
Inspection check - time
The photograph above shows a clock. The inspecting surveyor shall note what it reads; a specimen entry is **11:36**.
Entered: **3:21**
